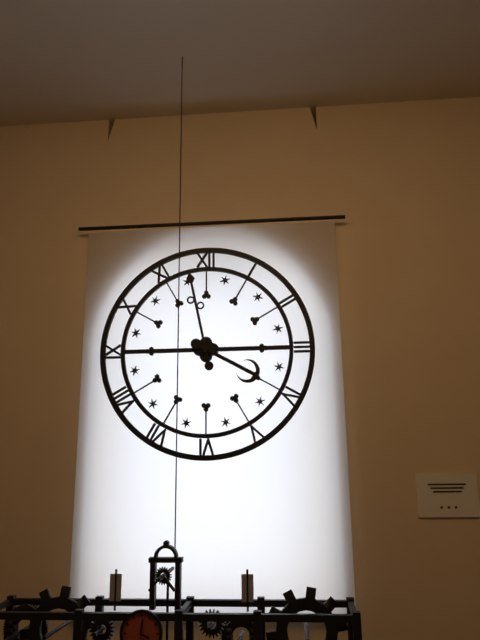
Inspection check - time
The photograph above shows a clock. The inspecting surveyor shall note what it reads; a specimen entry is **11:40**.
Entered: **3:58**
